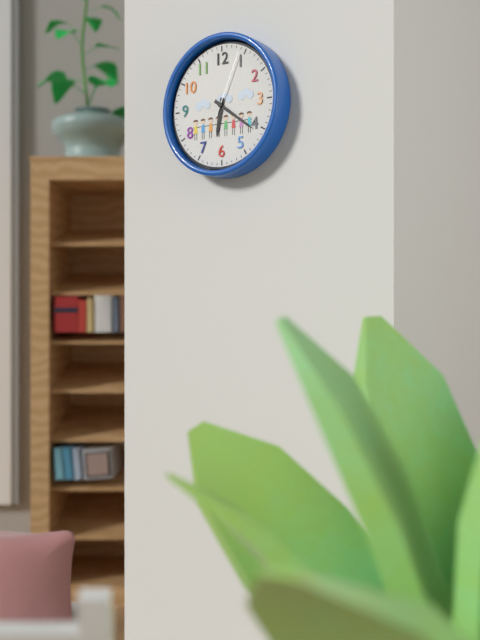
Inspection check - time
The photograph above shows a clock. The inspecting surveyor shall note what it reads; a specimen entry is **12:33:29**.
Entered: **6:21:04**
